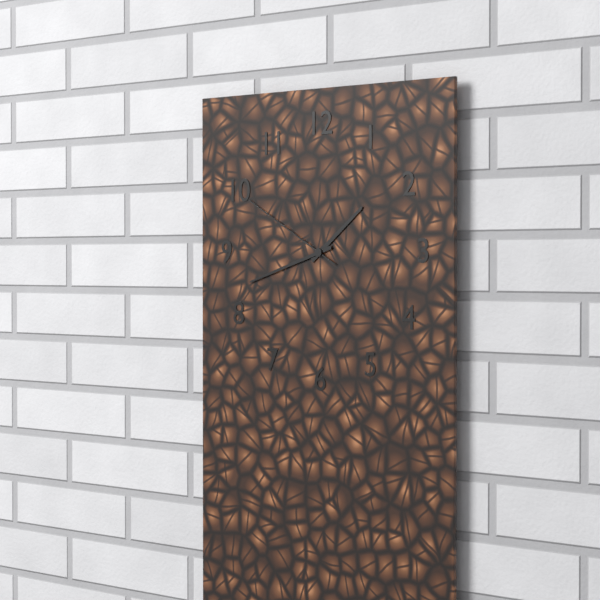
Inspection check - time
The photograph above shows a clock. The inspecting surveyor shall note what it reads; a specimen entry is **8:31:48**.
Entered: **1:42:50**
